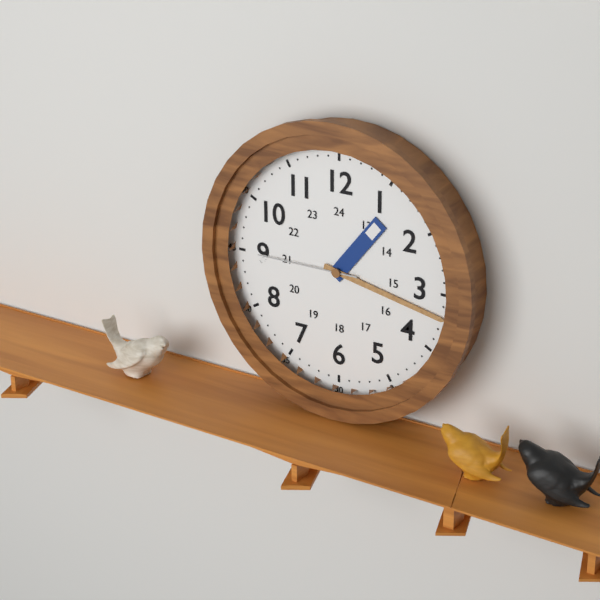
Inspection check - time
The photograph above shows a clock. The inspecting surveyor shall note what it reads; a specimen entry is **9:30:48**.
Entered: **1:17:45**
